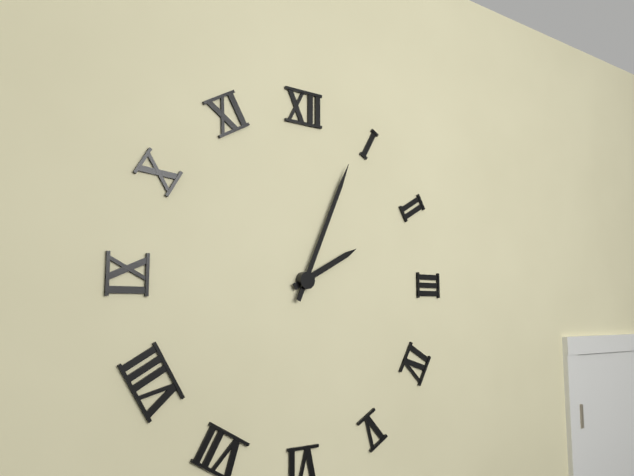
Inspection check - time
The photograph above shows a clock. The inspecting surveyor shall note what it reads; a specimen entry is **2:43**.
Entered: **2:04**
